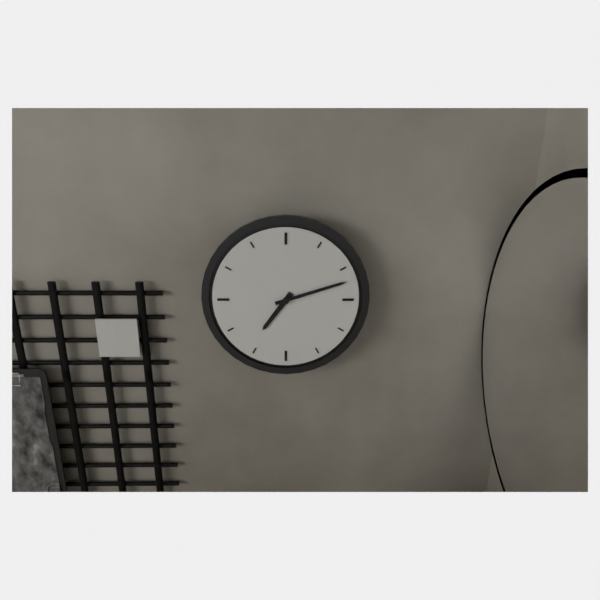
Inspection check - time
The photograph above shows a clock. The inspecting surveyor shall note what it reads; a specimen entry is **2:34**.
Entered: **7:12**
